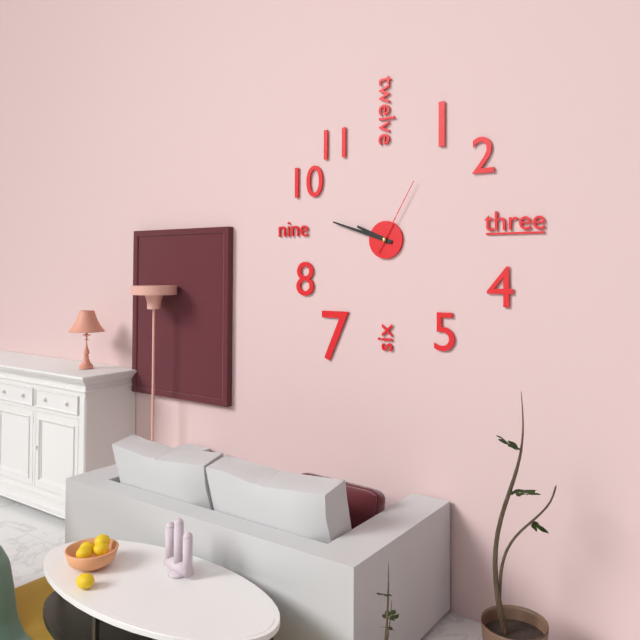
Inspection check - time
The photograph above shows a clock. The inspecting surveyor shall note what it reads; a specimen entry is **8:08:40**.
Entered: **9:48:05**
